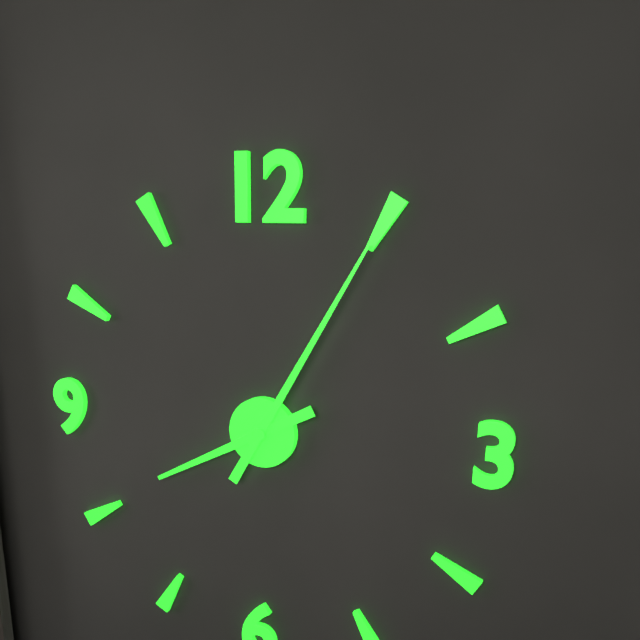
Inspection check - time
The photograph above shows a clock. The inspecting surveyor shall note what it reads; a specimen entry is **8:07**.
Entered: **8:05**
